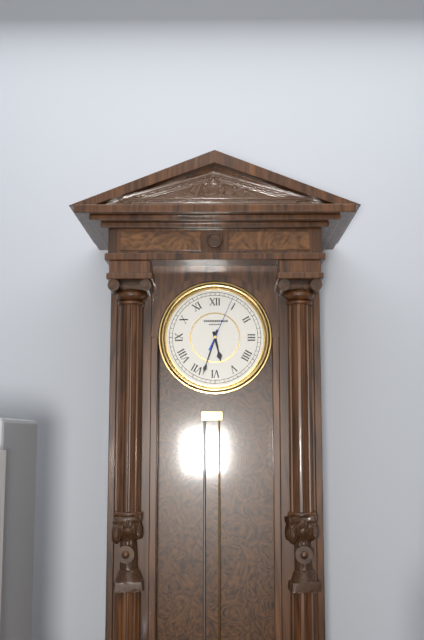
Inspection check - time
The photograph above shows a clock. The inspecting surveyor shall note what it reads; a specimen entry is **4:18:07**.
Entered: **5:33:04**
